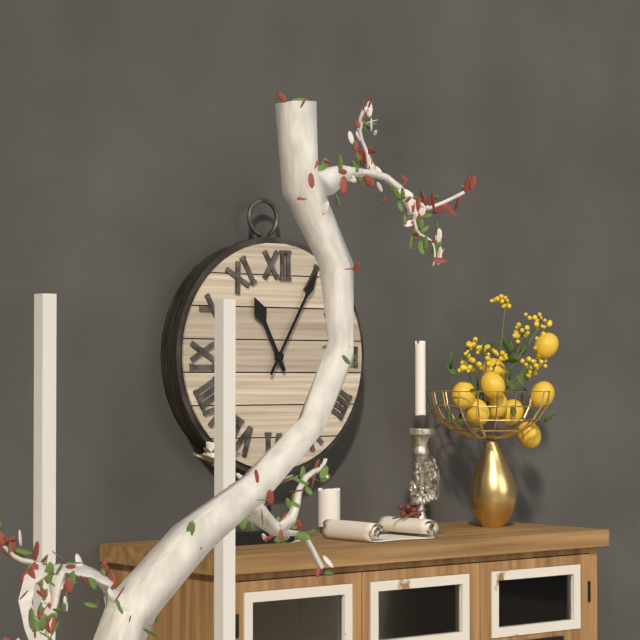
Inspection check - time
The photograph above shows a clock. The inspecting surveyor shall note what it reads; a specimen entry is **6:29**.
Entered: **11:05**
